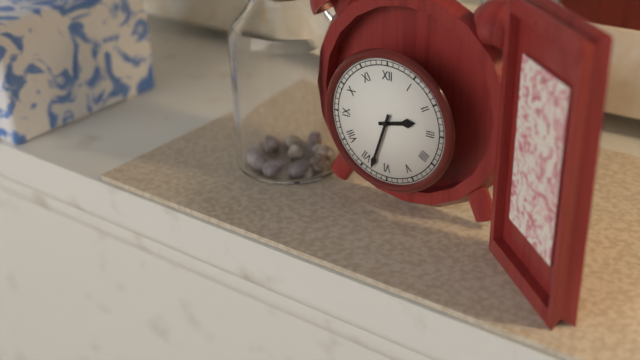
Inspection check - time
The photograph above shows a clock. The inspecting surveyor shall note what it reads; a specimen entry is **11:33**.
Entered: **2:33**
